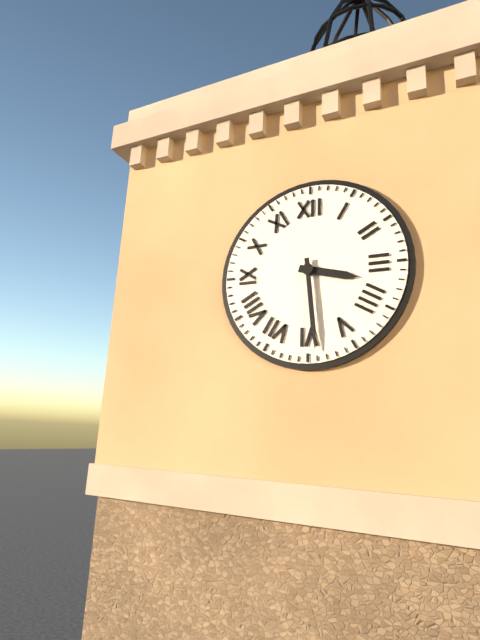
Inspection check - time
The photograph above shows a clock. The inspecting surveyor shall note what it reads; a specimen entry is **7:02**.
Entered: **3:29**
